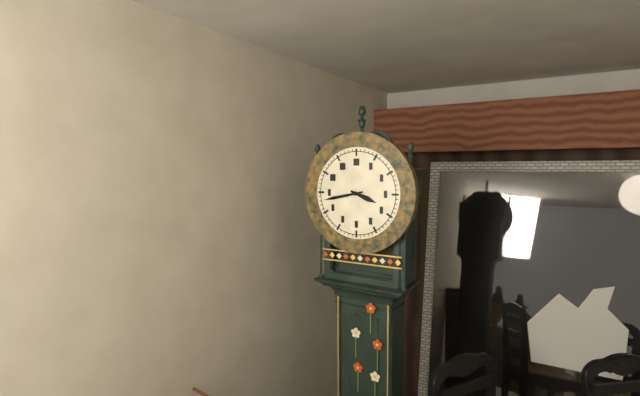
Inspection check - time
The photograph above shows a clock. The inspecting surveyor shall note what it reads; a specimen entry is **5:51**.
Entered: **3:43**
